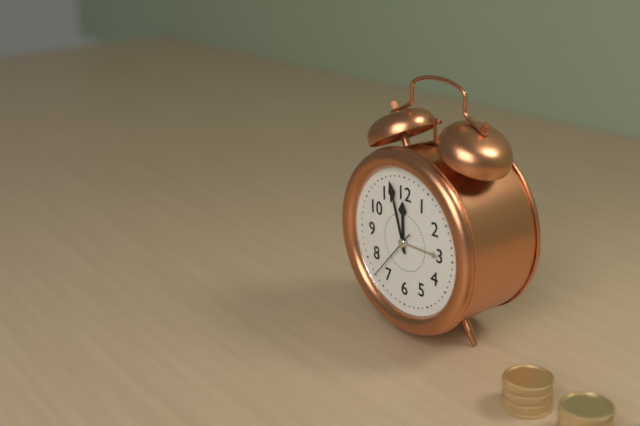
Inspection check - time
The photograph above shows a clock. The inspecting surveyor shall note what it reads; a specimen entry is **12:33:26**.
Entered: **11:57:37**
